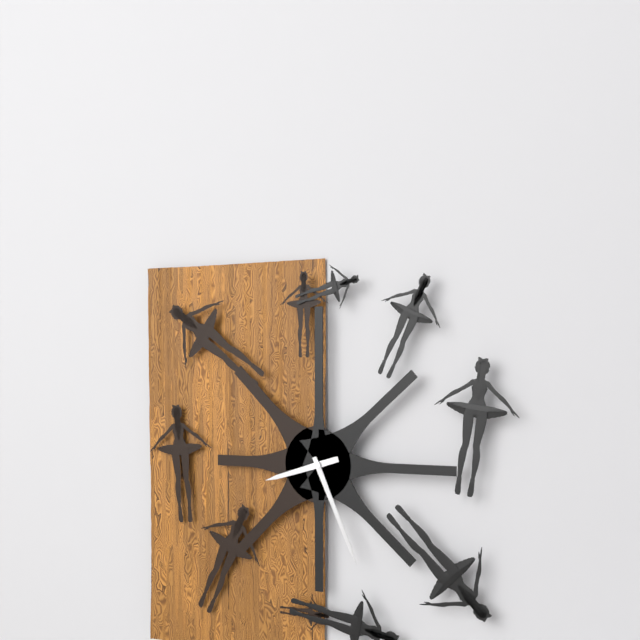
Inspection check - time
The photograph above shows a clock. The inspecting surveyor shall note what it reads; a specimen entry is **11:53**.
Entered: **8:26**
